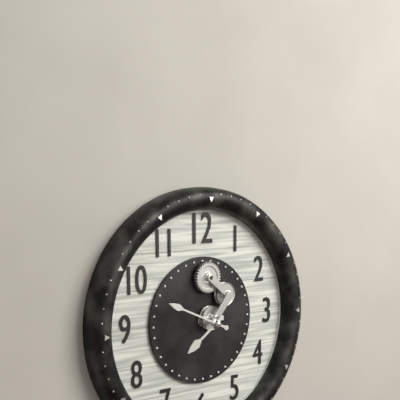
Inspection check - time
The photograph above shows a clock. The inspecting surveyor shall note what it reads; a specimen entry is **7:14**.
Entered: **7:49**
